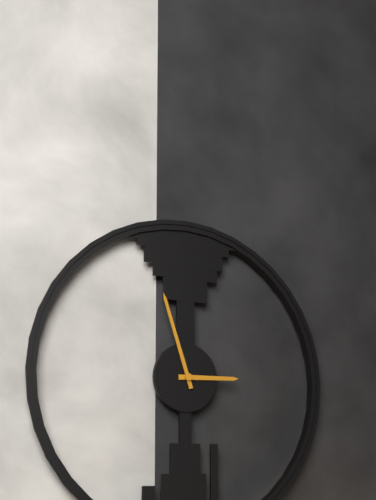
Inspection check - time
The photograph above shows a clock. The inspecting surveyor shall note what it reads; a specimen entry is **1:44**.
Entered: **2:57**
